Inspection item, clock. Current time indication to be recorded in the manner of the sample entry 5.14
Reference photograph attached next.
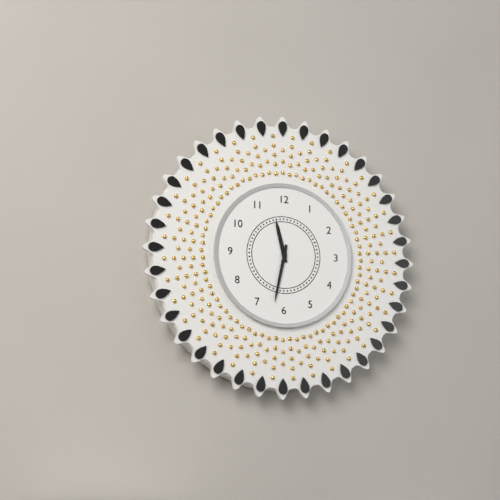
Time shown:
11.32
